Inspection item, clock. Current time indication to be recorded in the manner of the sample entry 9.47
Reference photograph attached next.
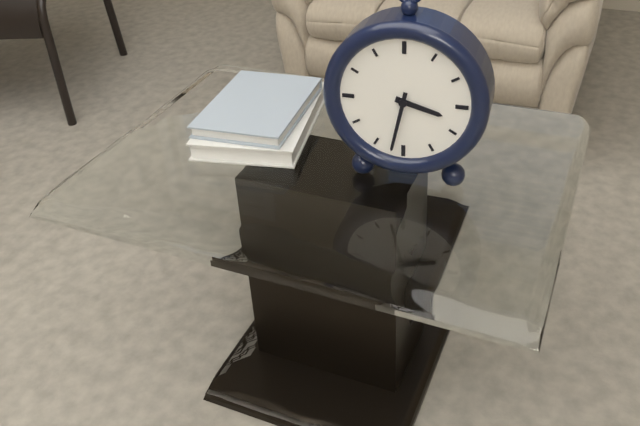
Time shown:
3.32
